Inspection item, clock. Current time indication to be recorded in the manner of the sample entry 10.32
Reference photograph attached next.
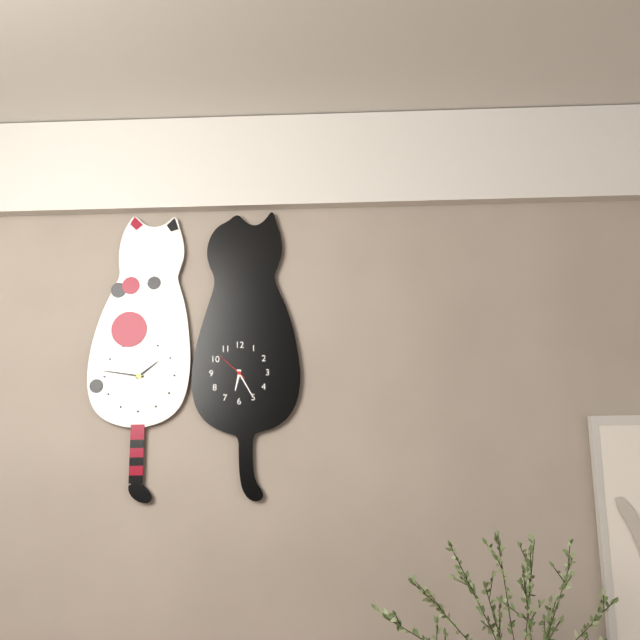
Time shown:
6.25
